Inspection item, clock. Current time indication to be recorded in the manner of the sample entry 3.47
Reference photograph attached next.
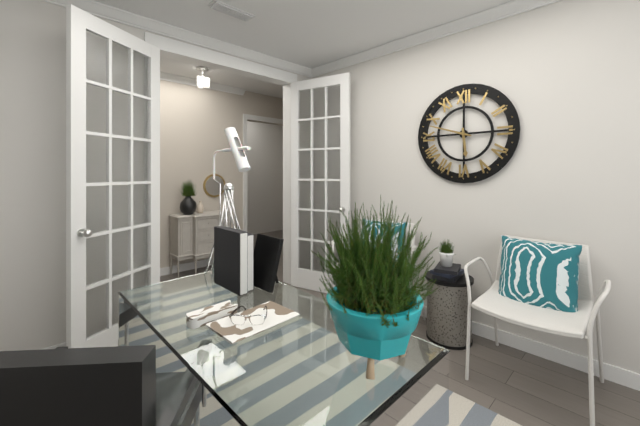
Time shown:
5.48
